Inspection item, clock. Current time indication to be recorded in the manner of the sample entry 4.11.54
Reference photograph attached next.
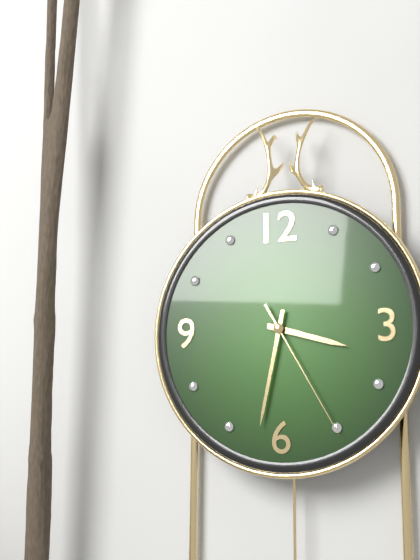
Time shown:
3.32.25
